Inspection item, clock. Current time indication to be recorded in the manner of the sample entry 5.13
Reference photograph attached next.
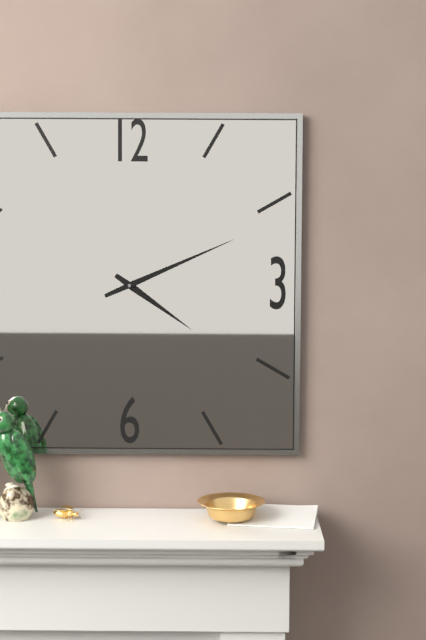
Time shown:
4.11
